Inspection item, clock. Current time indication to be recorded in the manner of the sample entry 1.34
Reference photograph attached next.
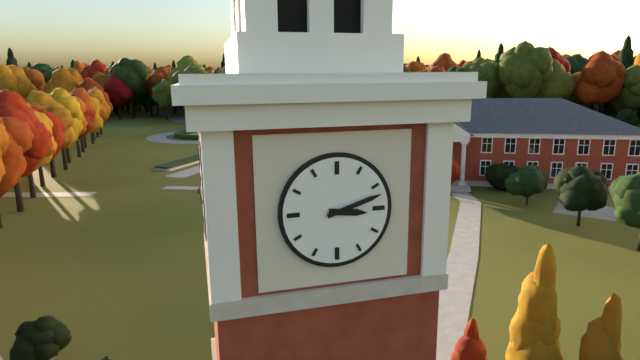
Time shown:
3.12
